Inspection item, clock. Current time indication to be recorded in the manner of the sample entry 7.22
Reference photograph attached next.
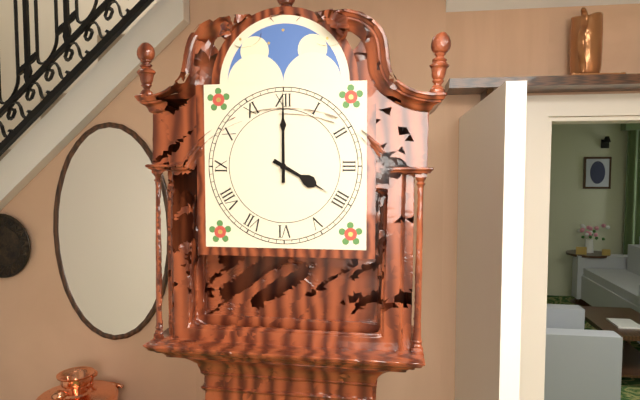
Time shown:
4.00
